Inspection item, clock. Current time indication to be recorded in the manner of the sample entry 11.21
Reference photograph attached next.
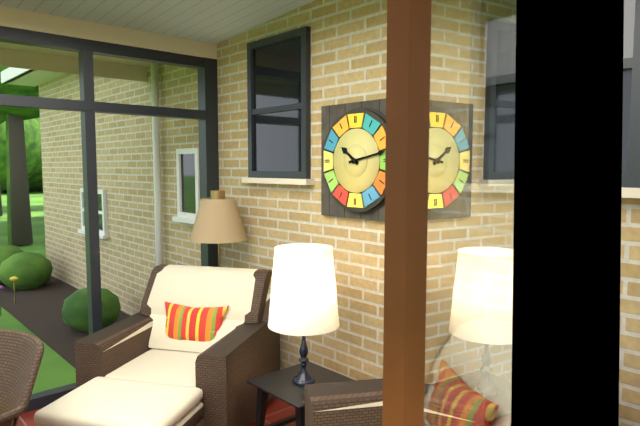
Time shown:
10.13
